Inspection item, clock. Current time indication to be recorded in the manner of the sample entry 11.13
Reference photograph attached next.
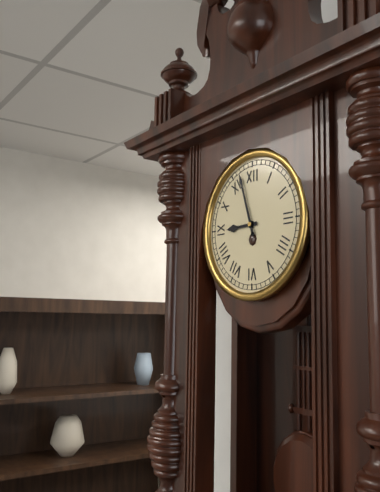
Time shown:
8.57
